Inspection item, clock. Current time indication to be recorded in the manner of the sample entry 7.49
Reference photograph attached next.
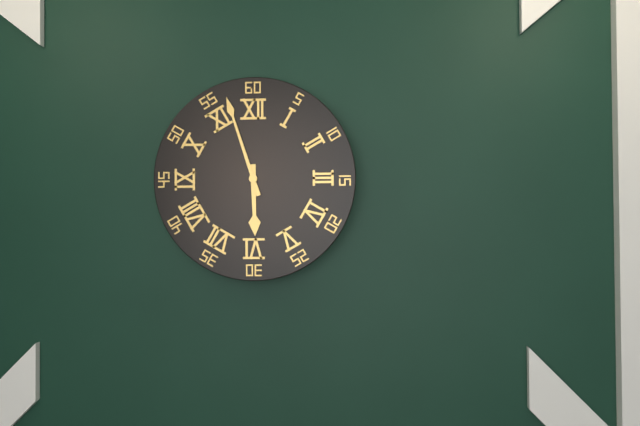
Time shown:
5.57
